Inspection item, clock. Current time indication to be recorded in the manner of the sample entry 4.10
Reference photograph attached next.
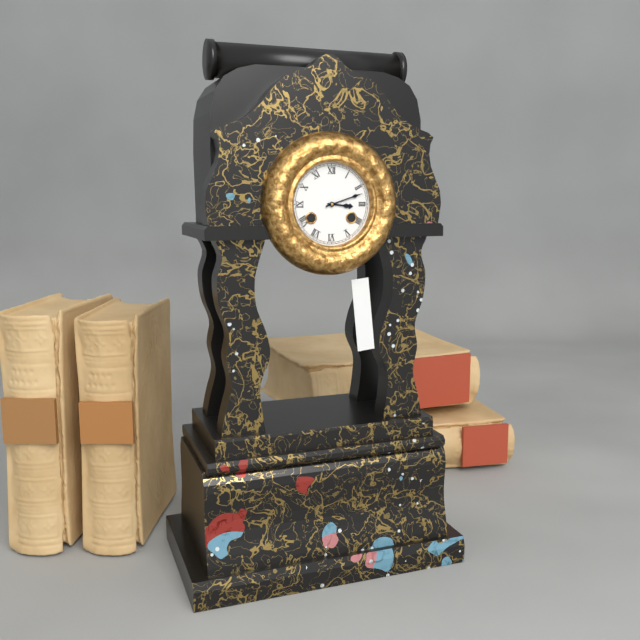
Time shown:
3.12
